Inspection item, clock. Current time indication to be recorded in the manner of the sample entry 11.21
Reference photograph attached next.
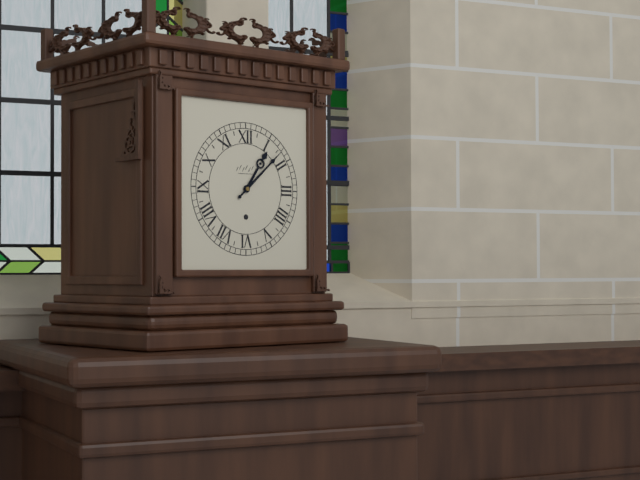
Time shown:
1.08
